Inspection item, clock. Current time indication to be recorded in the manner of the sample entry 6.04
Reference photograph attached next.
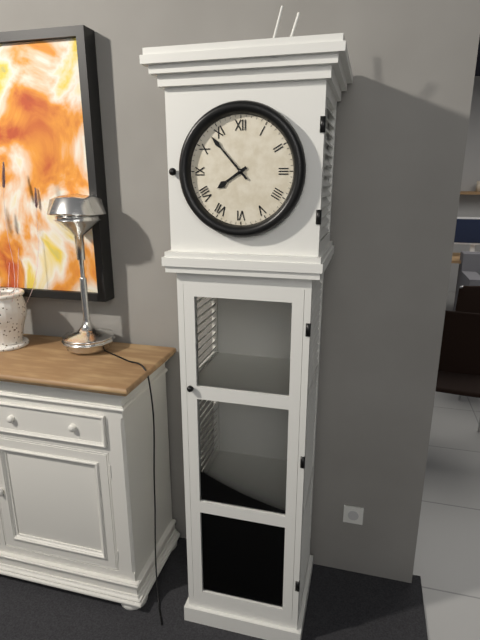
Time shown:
7.53
